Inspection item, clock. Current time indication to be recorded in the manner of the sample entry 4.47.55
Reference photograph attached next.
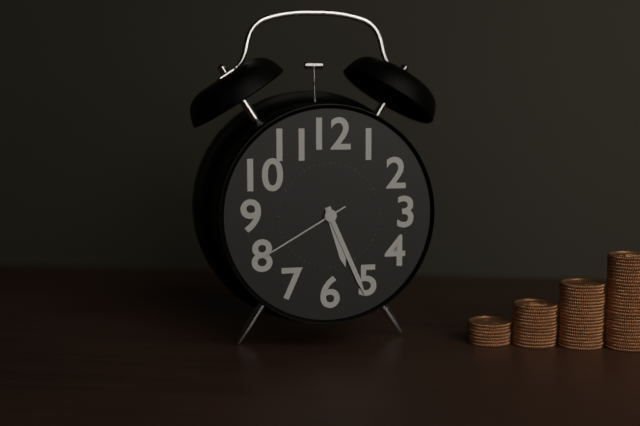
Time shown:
5.26.40
